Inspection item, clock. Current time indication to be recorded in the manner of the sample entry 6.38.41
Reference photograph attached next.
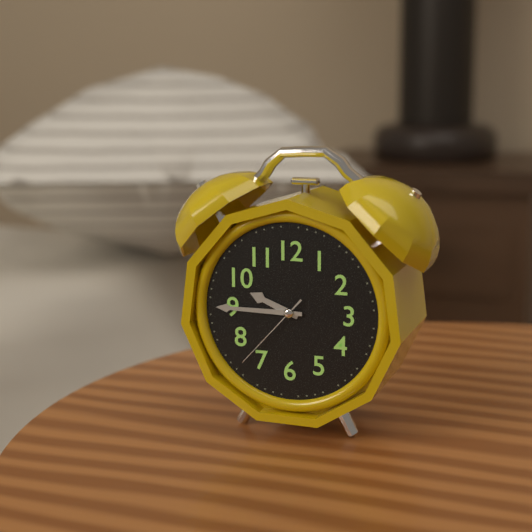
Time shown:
9.45.37
